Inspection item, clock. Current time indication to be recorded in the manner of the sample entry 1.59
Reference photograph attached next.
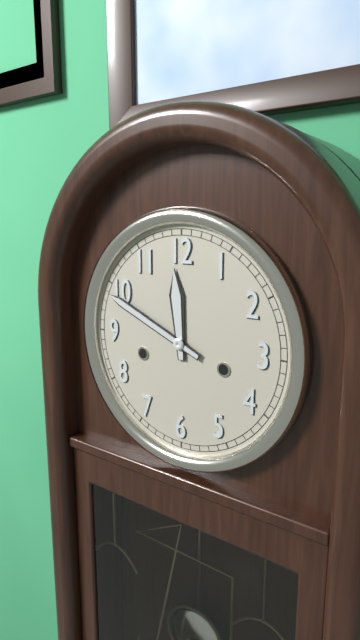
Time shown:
11.49
